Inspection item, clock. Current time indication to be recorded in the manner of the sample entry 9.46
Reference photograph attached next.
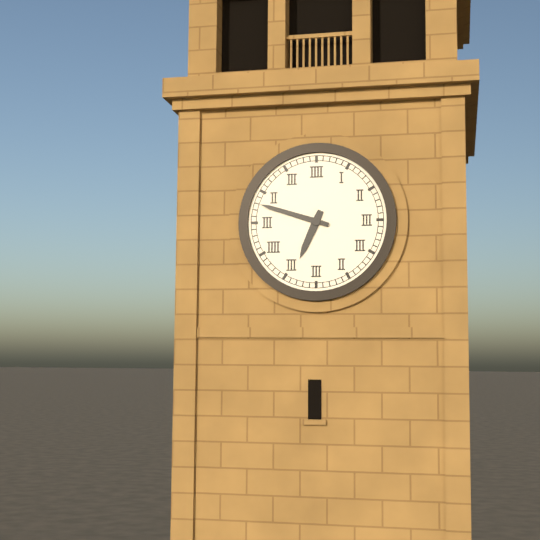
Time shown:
6.48
